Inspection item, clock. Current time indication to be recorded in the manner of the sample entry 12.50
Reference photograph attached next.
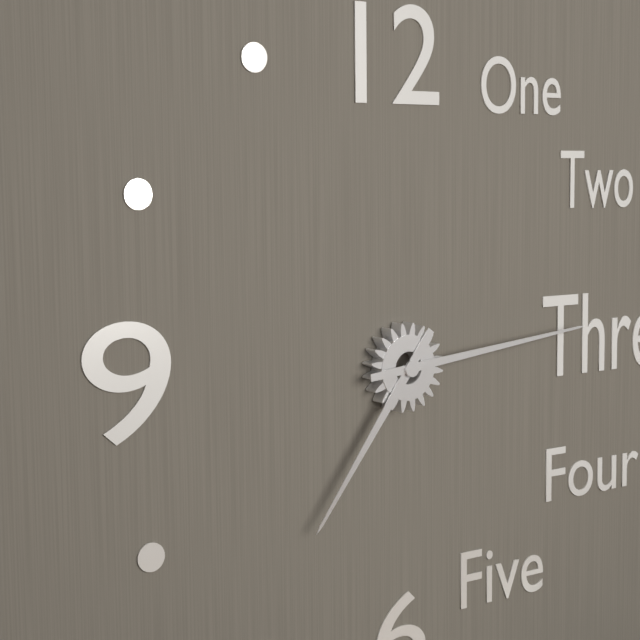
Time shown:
7.14
